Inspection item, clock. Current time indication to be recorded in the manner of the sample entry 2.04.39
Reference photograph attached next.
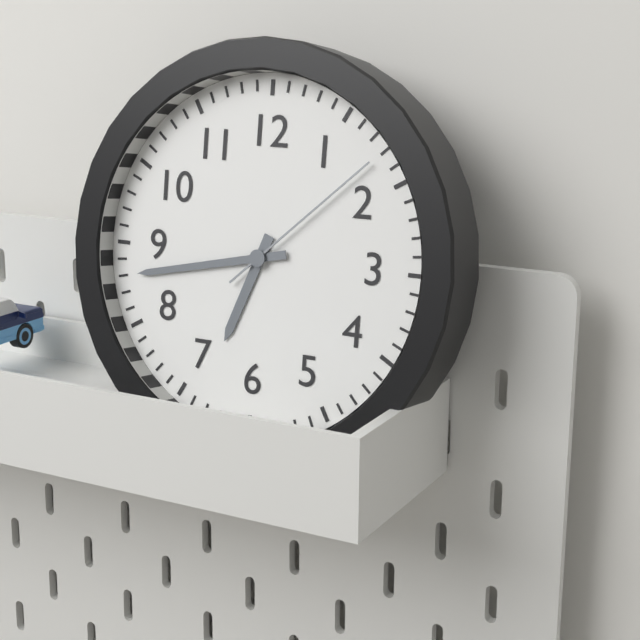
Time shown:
6.43.08
